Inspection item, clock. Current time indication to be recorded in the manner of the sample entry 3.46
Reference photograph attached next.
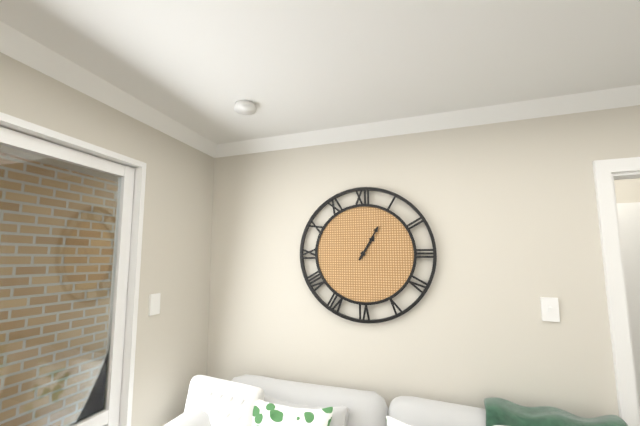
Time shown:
1.05
